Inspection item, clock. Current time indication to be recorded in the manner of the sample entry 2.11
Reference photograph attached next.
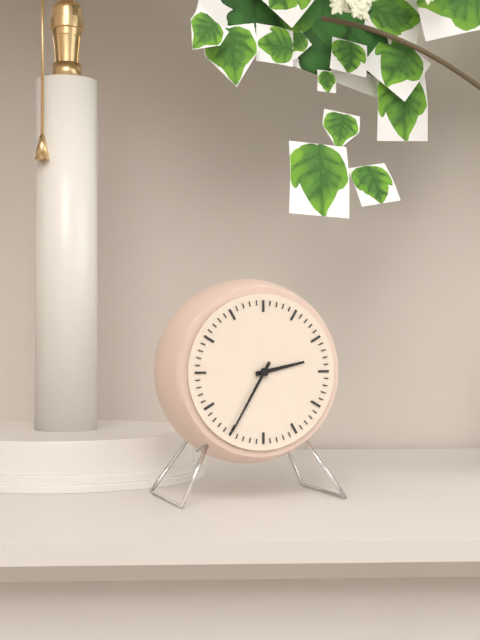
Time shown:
2.35
